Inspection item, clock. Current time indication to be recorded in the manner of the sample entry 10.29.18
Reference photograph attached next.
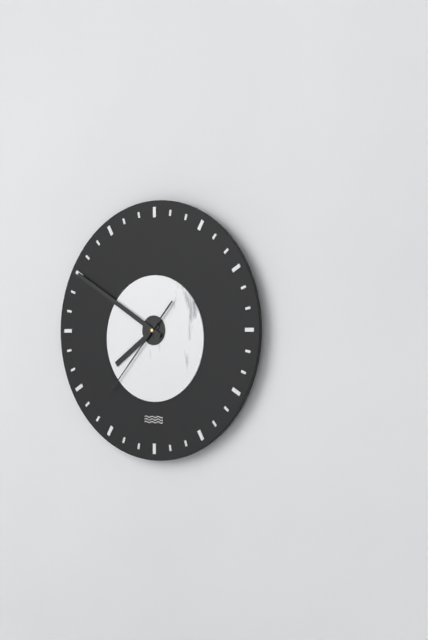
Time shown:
7.50.37
